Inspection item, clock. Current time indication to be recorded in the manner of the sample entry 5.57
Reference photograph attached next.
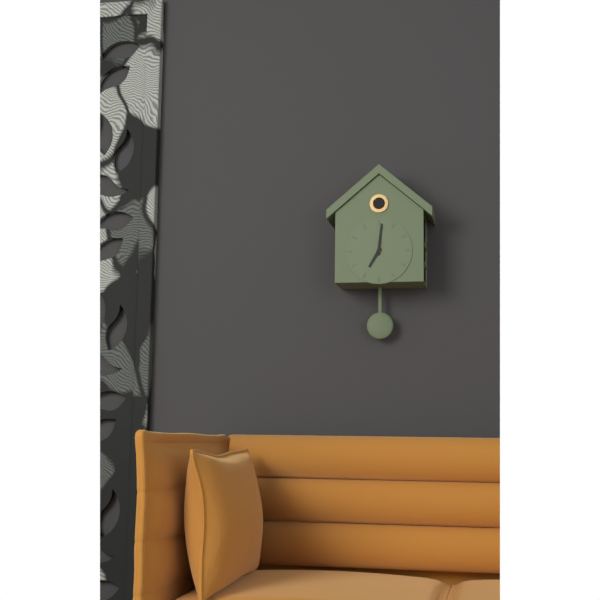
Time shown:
7.01
